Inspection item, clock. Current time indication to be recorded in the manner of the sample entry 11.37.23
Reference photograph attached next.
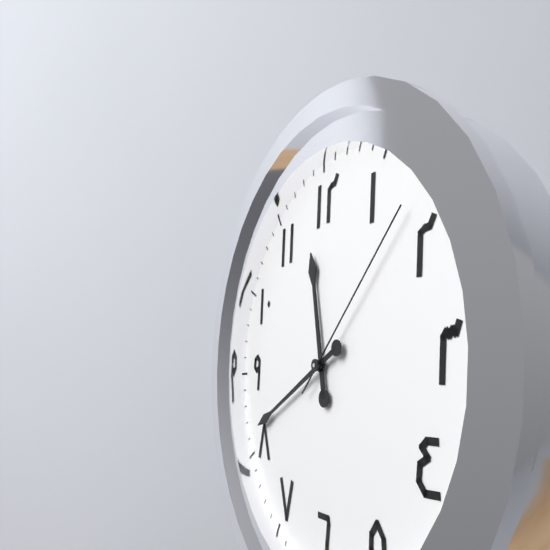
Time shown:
11.41.08
